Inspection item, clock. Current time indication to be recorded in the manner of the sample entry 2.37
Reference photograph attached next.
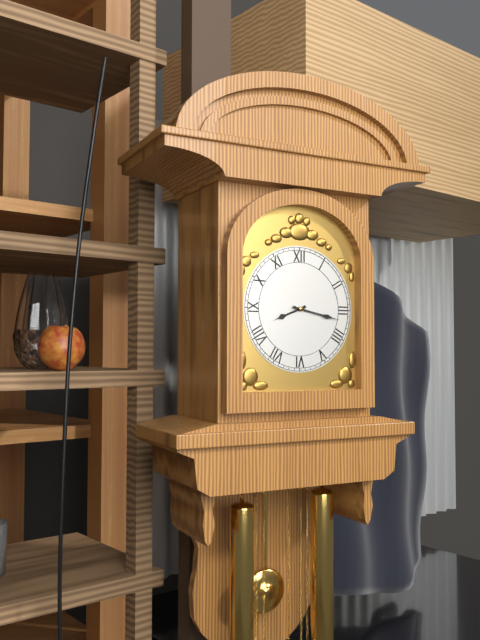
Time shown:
8.17
